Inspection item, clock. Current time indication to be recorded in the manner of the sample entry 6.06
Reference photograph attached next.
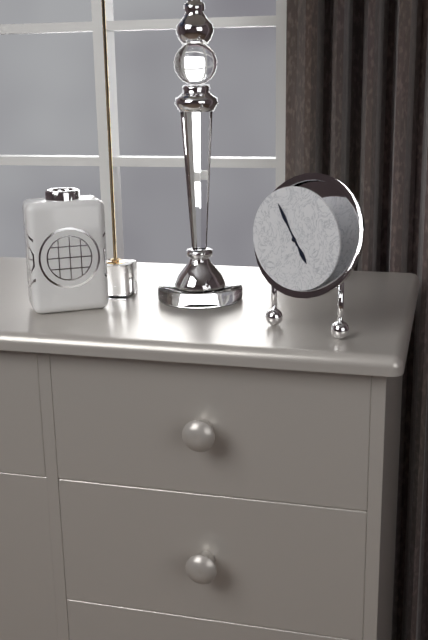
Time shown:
4.55
